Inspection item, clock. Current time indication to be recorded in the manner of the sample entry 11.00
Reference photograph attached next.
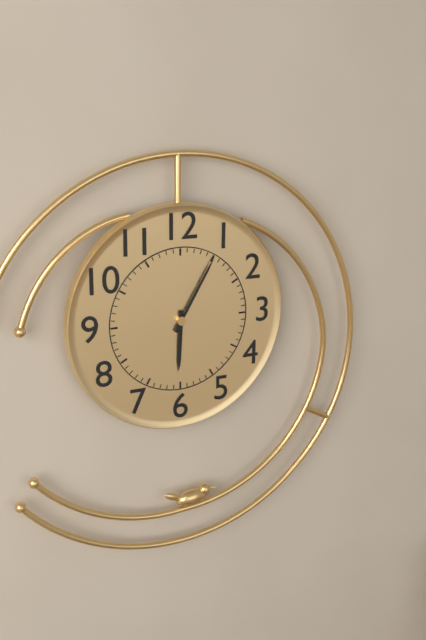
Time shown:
6.05
